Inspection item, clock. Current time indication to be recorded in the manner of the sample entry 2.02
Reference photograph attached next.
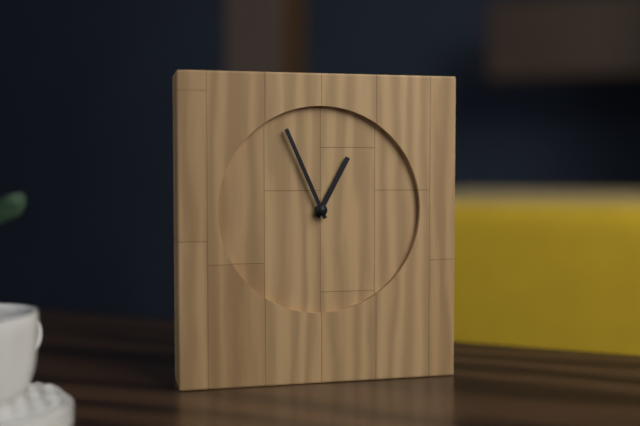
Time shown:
12.56
